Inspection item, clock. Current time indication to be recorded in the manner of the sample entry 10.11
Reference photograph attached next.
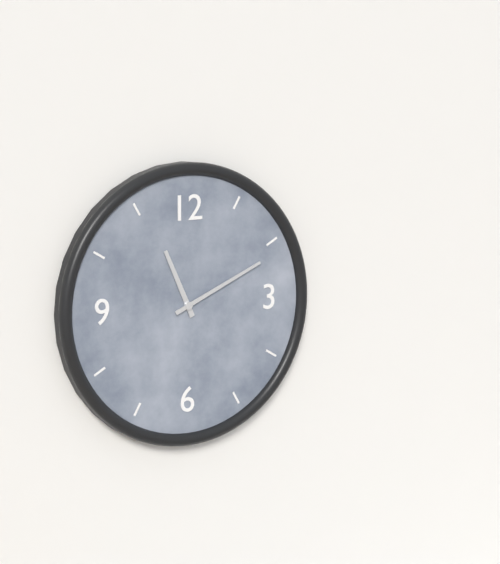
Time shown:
11.11
